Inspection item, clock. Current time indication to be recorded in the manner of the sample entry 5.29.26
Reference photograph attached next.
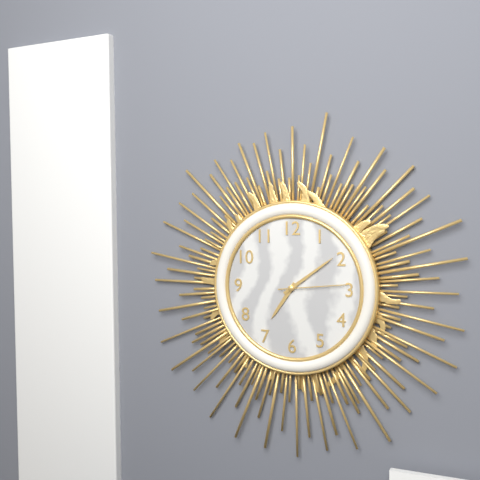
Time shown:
7.09.14
